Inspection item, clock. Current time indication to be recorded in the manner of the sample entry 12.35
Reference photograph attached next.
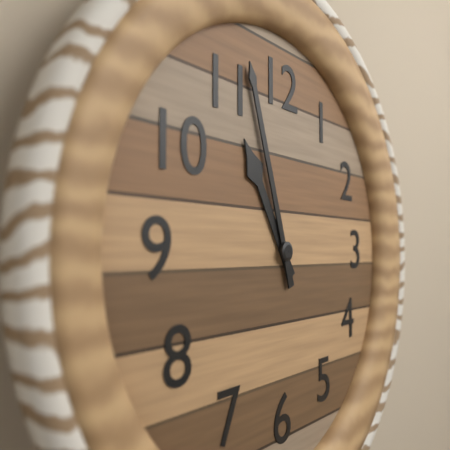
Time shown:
10.57
